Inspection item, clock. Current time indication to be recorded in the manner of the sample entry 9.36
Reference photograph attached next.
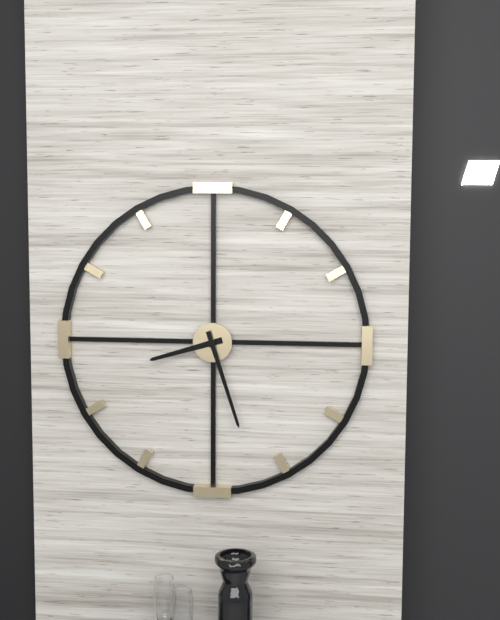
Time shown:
8.27
